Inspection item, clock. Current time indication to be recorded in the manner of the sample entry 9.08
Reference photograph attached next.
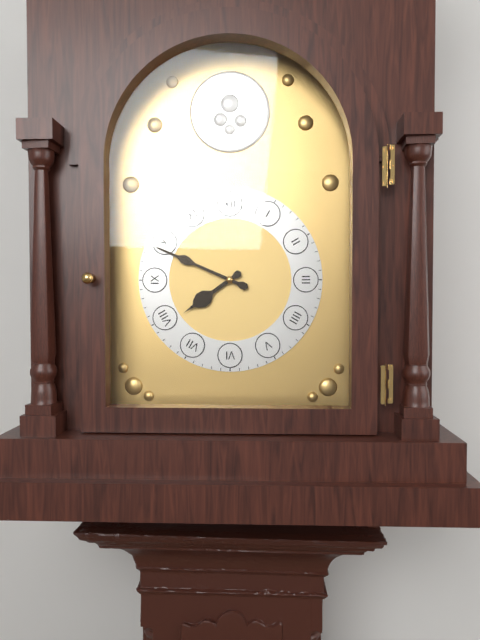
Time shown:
7.49
